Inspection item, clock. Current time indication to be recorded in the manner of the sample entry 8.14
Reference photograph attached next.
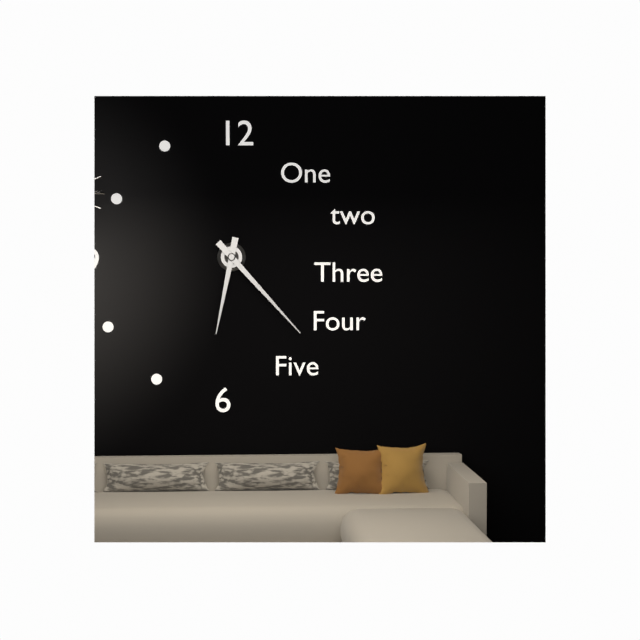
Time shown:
6.23
